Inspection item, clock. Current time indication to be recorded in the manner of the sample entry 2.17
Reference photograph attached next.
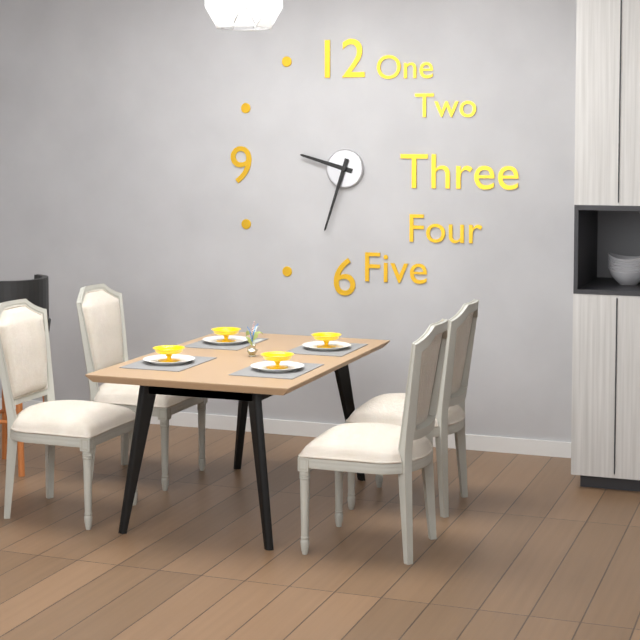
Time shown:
9.33
